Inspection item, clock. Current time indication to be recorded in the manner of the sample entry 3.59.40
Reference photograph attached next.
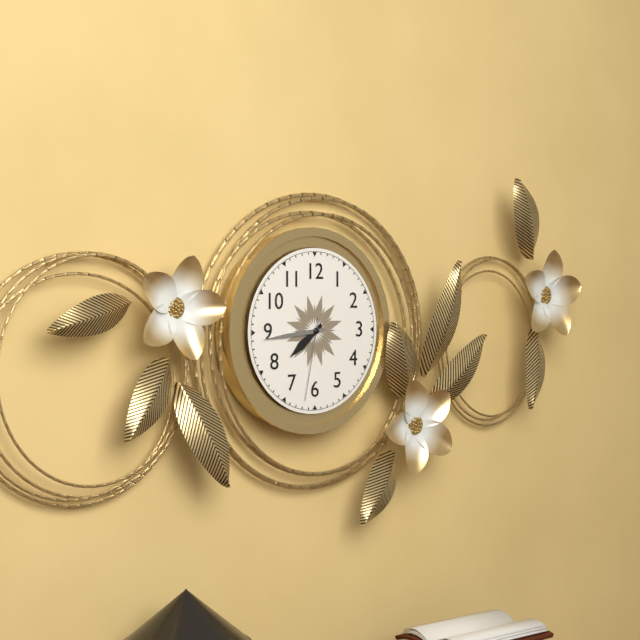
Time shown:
7.44.32
